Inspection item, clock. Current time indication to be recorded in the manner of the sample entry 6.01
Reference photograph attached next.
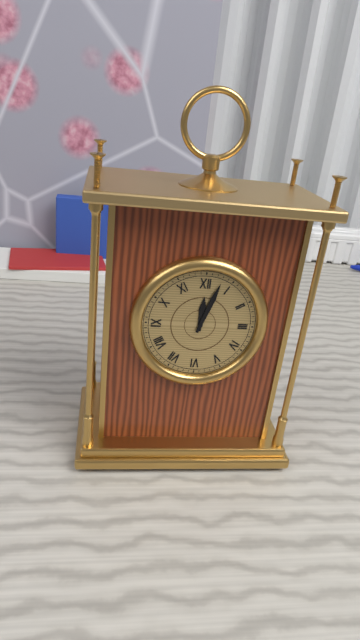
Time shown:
12.03
